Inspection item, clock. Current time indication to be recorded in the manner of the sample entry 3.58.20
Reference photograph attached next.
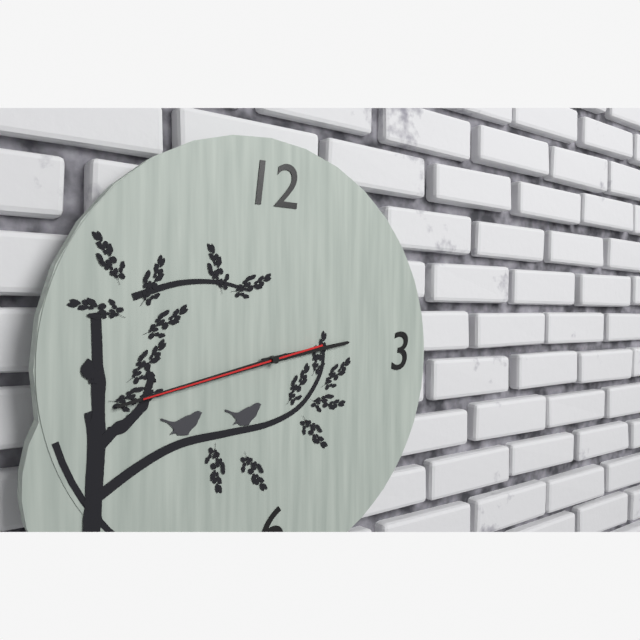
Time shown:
2.43.43
